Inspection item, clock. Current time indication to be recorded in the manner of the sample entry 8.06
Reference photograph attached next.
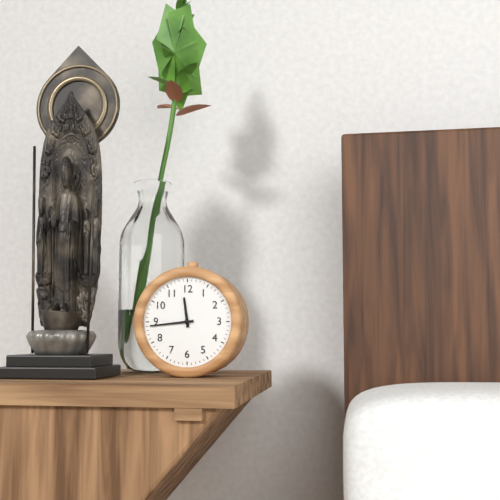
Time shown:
11.44
